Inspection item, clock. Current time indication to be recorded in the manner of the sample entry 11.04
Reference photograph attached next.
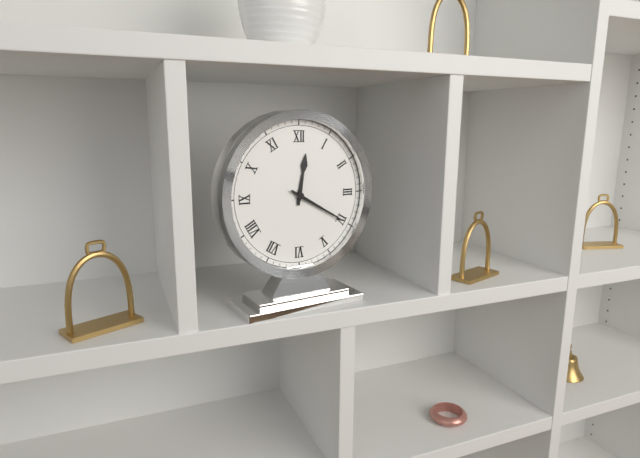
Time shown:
12.20
